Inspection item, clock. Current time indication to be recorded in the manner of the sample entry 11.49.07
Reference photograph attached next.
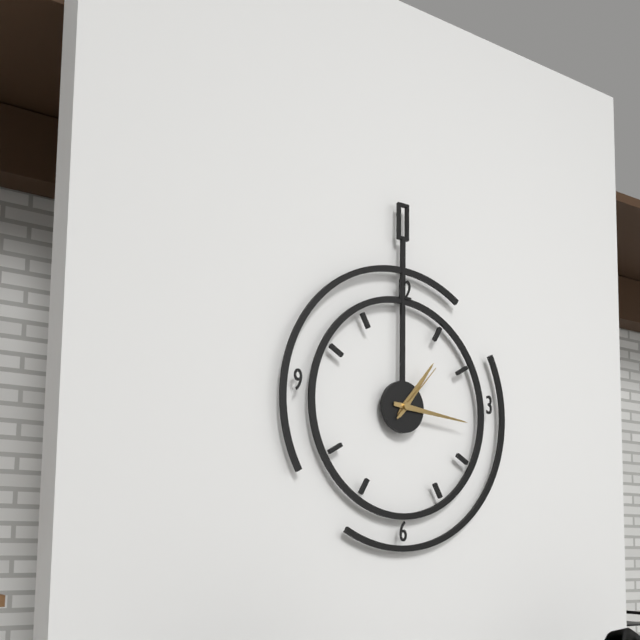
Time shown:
1.16.07
